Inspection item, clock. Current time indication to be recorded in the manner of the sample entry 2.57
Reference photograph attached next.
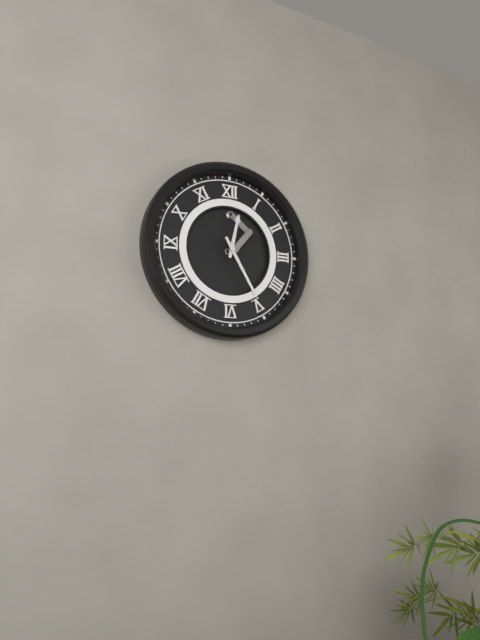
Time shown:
12.25
